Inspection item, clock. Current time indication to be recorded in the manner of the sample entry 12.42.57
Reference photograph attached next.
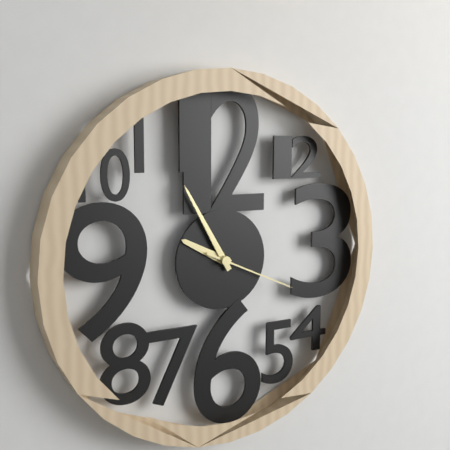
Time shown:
9.55.19
